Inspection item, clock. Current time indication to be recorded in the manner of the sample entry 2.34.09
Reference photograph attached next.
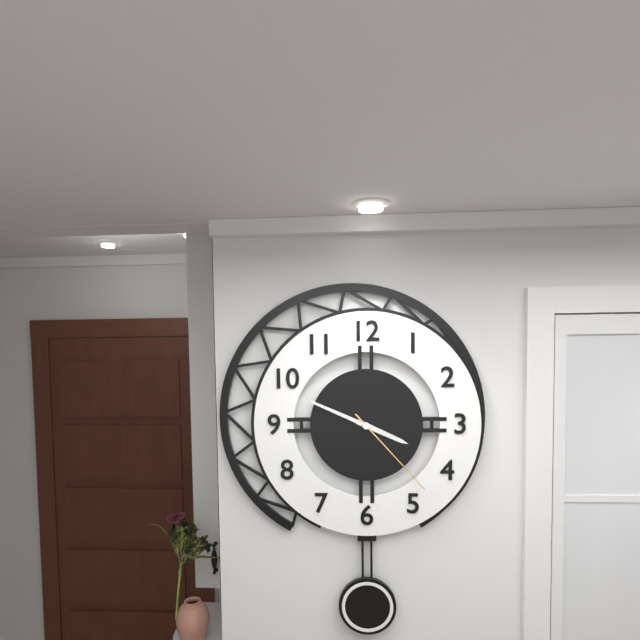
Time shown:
3.49.23
